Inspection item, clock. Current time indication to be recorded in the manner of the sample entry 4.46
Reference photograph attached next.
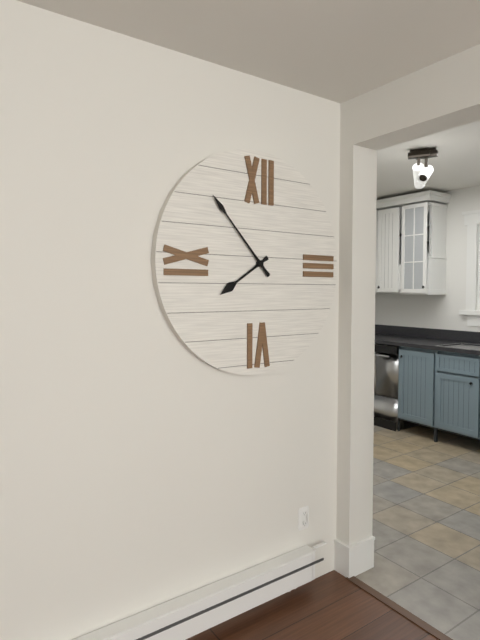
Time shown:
7.53
